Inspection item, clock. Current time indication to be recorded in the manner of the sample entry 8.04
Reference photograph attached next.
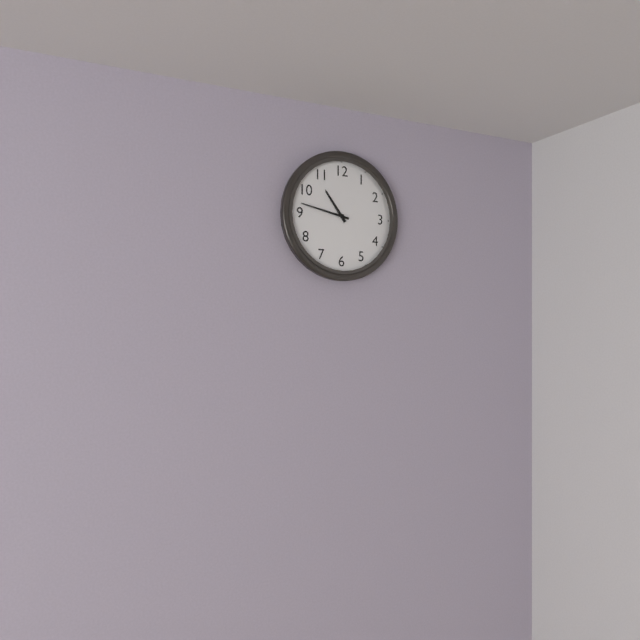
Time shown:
10.47
